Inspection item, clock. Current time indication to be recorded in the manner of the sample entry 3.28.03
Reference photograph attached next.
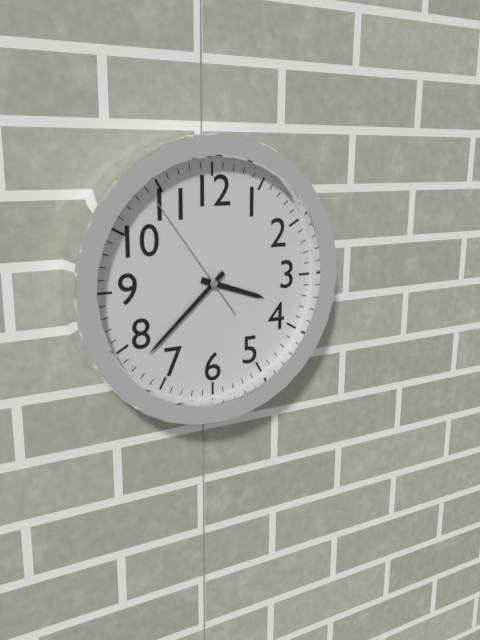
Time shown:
3.38.54
